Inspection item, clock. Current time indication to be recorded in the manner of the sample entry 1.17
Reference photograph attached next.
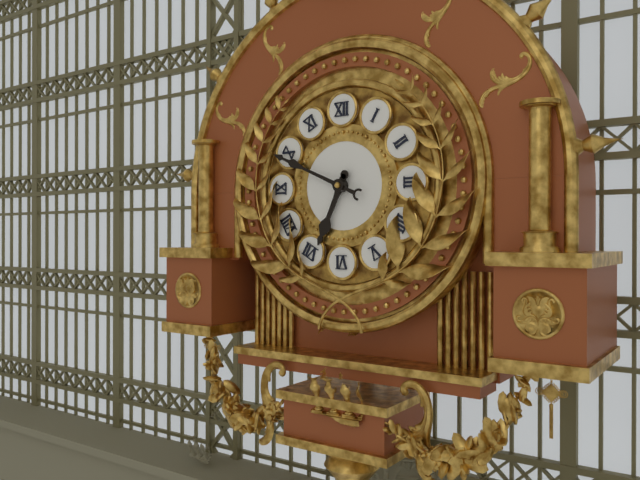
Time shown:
6.49
